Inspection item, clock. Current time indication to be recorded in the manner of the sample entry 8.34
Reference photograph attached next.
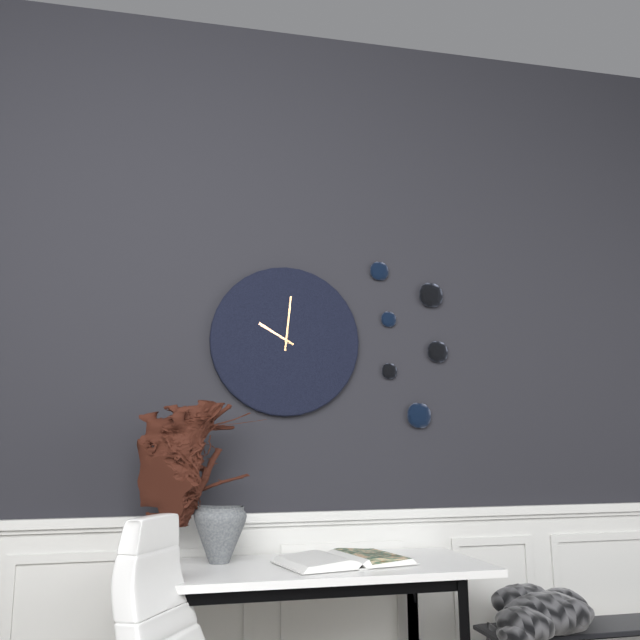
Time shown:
10.01
